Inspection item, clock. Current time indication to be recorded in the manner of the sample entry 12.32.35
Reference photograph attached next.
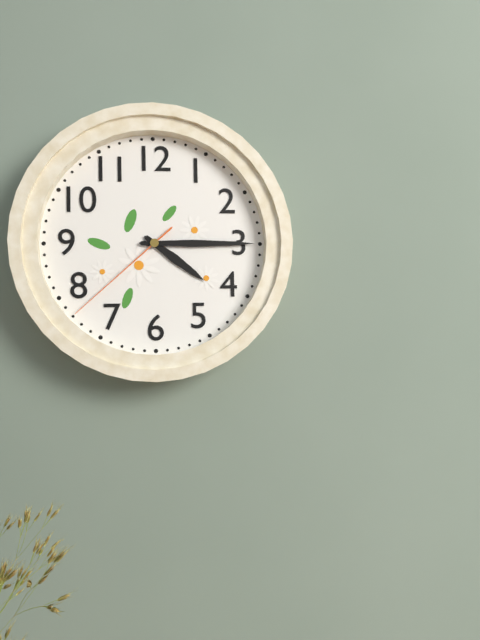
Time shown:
4.15.38
